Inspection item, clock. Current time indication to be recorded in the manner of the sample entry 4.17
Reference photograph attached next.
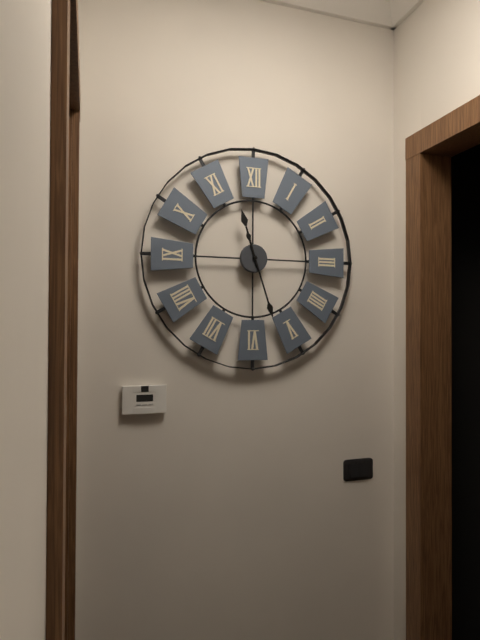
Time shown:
11.27
